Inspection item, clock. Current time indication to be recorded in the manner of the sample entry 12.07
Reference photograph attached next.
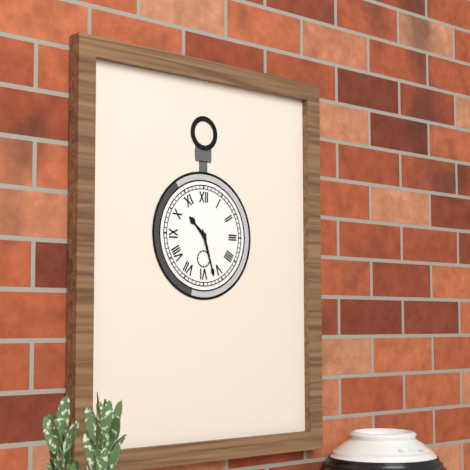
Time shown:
10.27
